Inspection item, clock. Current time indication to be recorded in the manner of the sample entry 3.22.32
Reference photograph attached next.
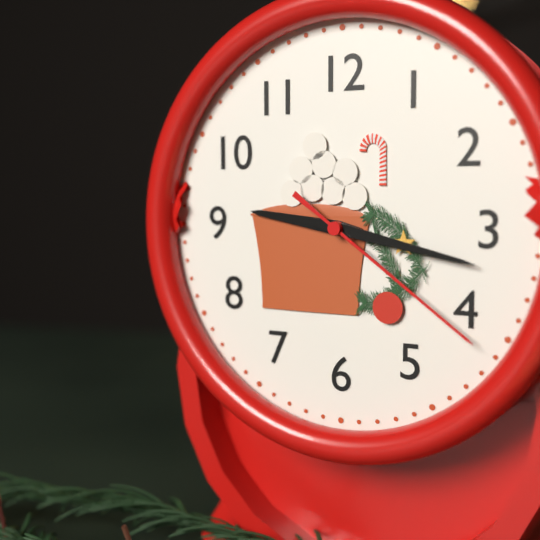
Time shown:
9.17.21
